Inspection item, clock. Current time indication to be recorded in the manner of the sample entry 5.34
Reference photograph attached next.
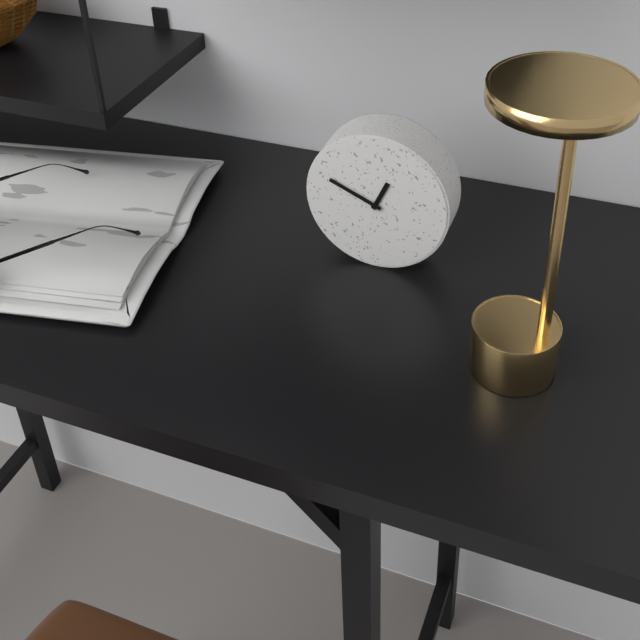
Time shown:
12.49
